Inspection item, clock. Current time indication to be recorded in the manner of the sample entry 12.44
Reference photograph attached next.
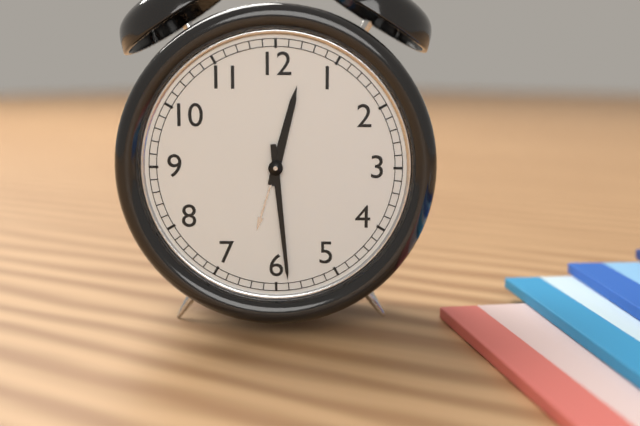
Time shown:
12.29
